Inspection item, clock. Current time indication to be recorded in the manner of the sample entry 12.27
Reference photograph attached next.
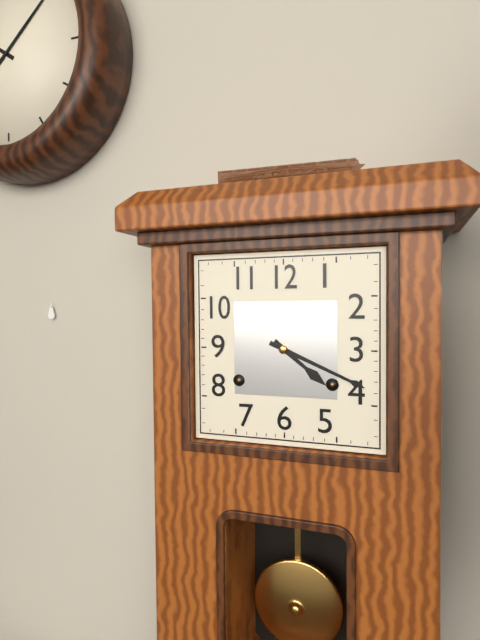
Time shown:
4.19
